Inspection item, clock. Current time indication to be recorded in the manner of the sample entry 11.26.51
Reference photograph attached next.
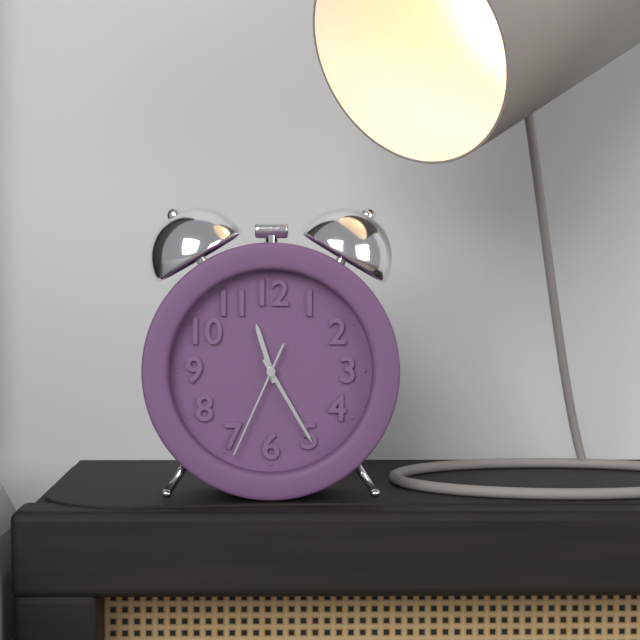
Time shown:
11.25.34
